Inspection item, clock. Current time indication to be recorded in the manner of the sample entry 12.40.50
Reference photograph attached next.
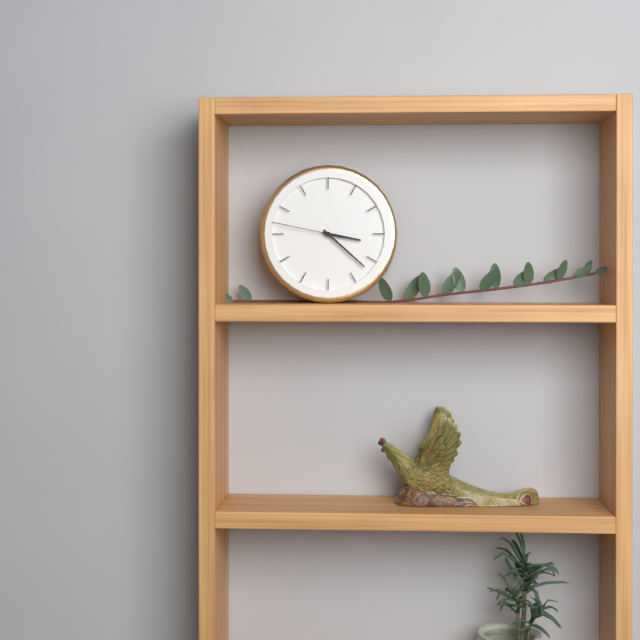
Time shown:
3.22.47
